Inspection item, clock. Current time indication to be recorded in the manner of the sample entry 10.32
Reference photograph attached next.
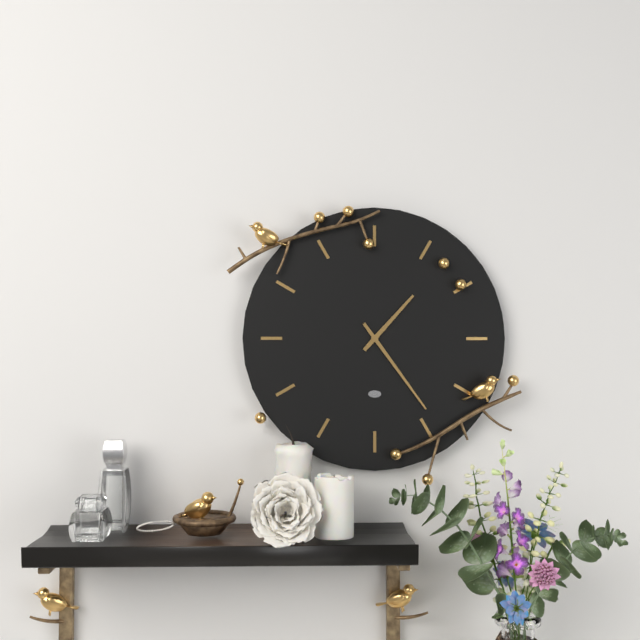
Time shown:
1.24
